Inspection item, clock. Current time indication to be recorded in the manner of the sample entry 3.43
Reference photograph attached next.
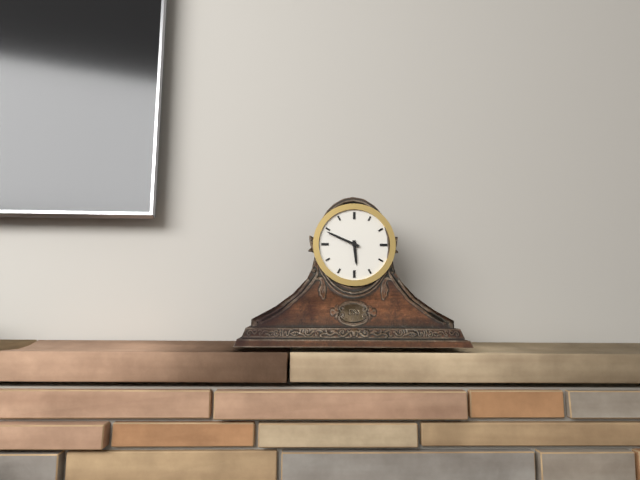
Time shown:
5.49
